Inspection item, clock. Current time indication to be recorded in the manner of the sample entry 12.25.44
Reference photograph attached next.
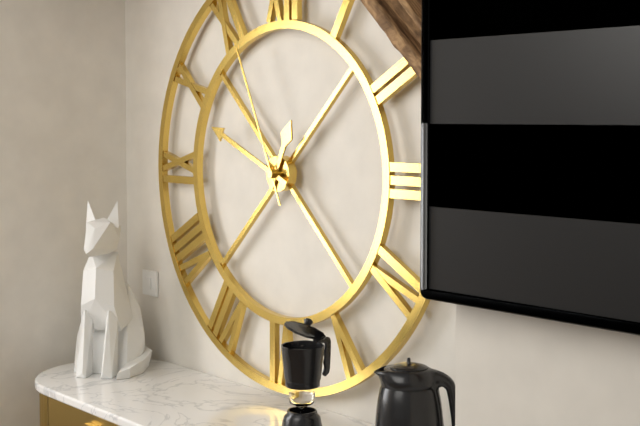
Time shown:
12.49.56
